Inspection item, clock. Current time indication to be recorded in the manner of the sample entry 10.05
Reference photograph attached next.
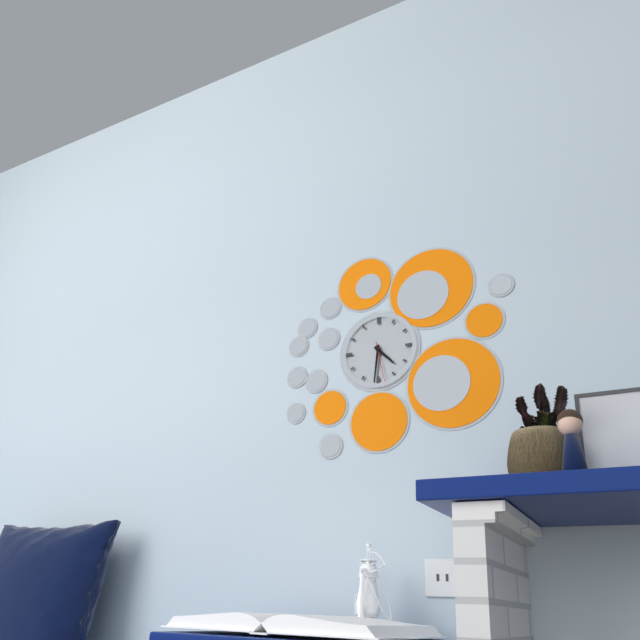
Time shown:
4.31
